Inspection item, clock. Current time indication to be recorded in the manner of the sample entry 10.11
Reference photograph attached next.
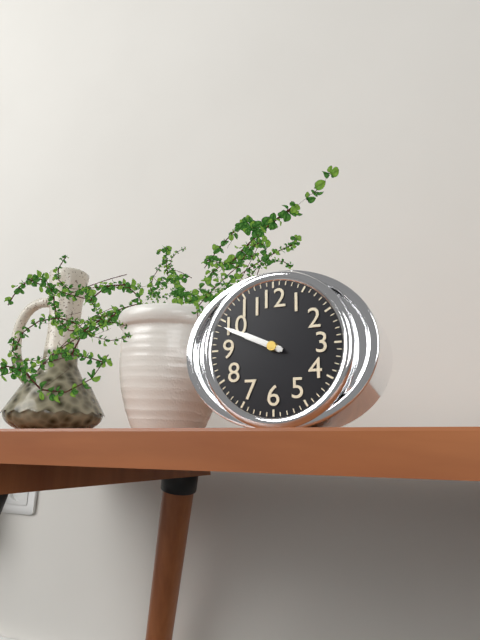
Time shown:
9.49
